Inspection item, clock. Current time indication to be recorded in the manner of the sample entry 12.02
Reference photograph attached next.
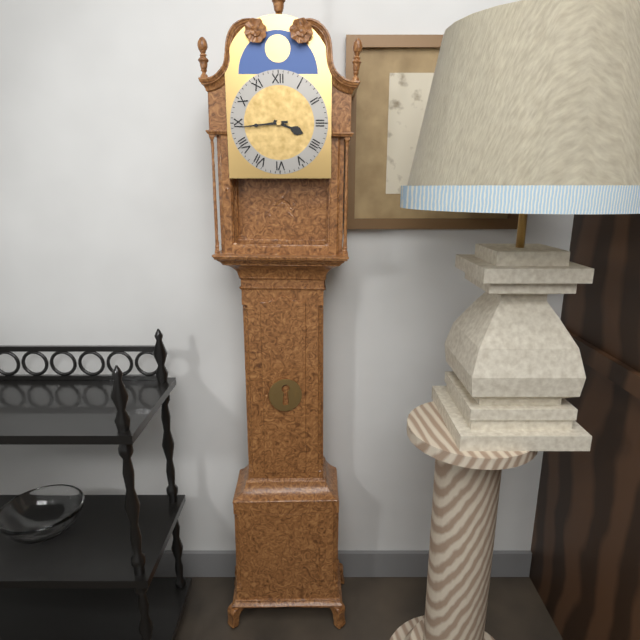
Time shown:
3.44
